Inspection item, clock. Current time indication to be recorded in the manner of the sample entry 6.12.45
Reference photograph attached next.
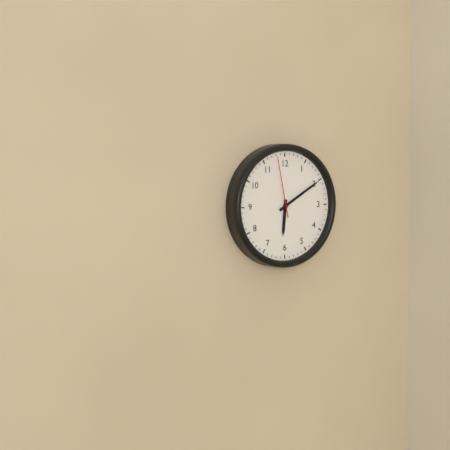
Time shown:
6.10.58
